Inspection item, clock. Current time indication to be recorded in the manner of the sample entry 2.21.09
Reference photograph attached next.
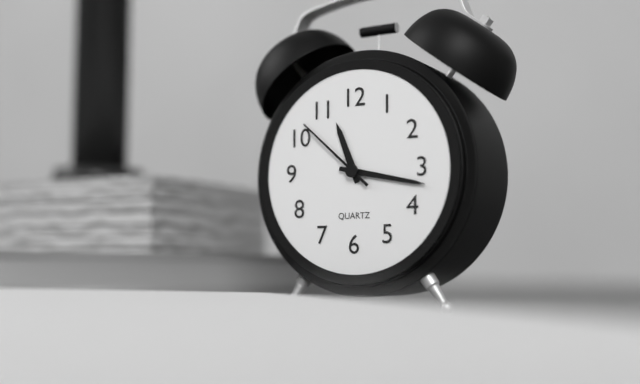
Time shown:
11.17.52
